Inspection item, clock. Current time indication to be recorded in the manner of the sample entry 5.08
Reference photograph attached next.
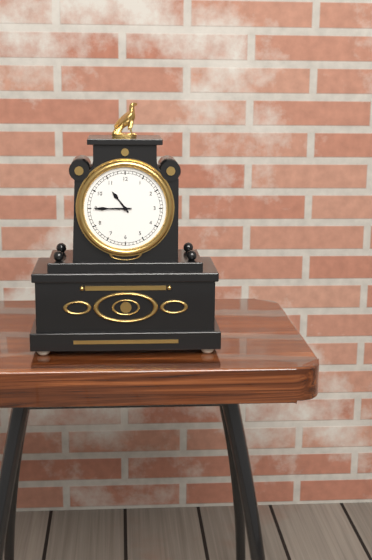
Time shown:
10.45
